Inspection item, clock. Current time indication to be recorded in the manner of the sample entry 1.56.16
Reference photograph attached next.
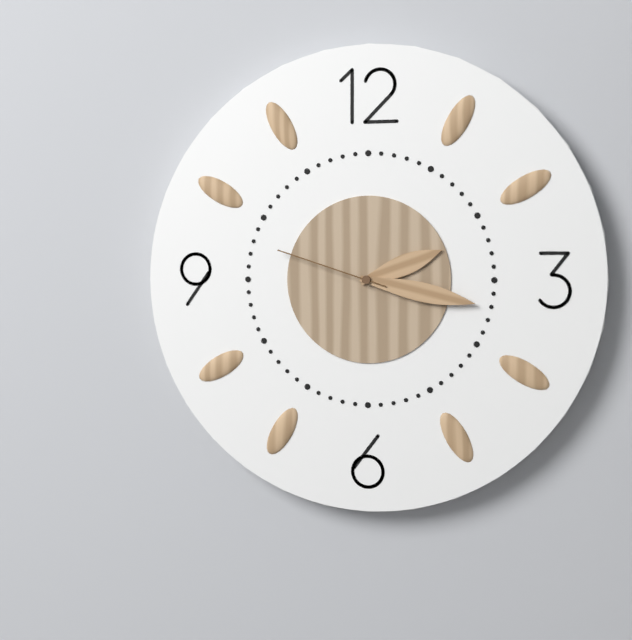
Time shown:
2.17.48
